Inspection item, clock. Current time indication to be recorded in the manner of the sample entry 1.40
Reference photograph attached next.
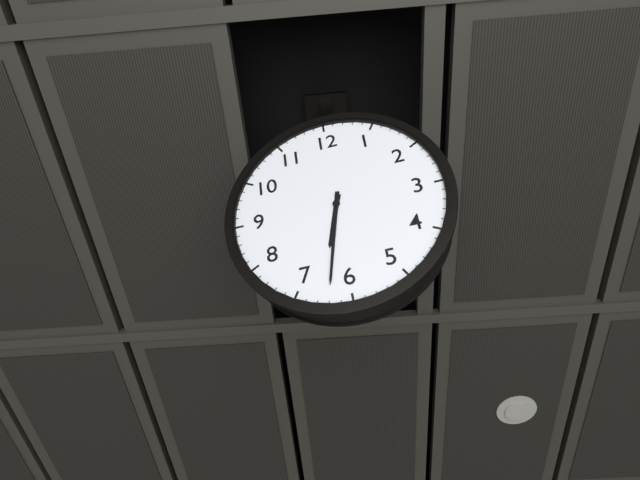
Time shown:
6.32
